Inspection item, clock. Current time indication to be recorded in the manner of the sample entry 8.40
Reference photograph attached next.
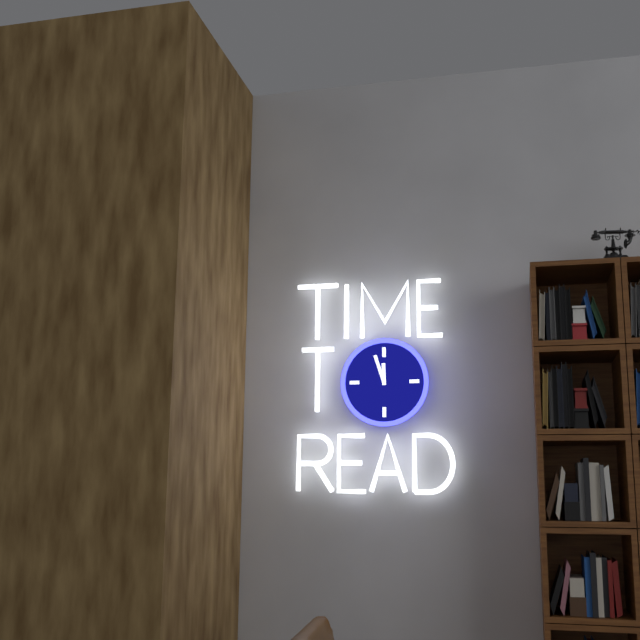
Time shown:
11.57
